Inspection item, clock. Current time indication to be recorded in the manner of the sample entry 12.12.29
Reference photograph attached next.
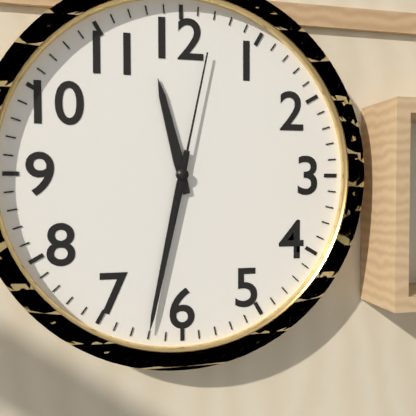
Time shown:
11.32.02
